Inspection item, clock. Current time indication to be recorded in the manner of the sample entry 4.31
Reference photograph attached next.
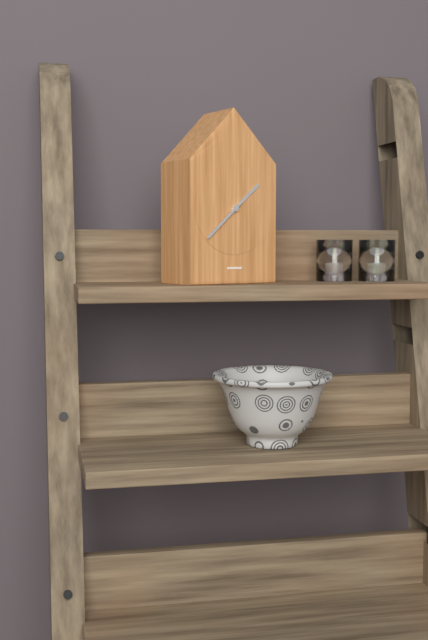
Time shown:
1.38
